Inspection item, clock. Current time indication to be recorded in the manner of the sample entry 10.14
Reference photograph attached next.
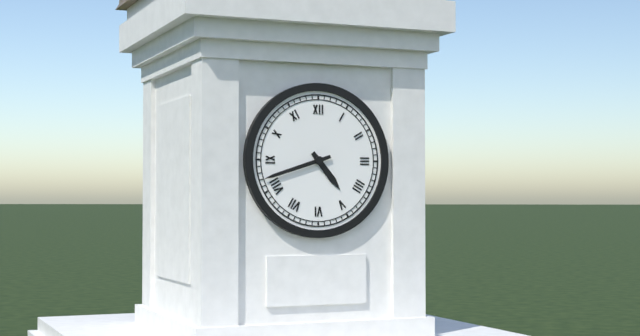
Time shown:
4.42
